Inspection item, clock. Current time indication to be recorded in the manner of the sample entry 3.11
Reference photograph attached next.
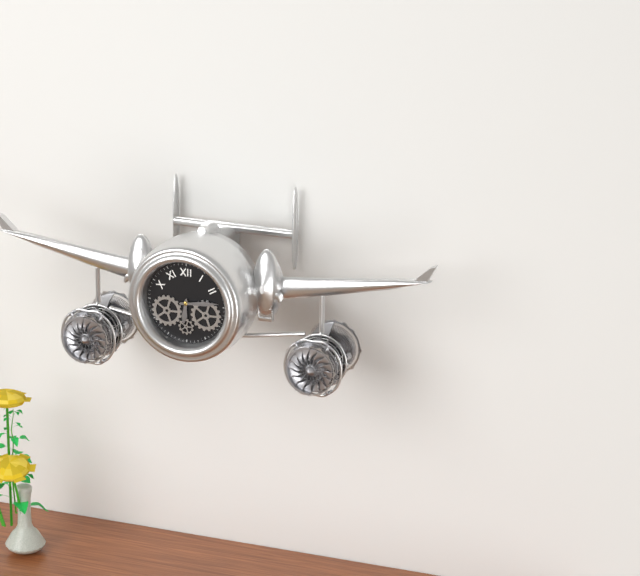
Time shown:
6.14
